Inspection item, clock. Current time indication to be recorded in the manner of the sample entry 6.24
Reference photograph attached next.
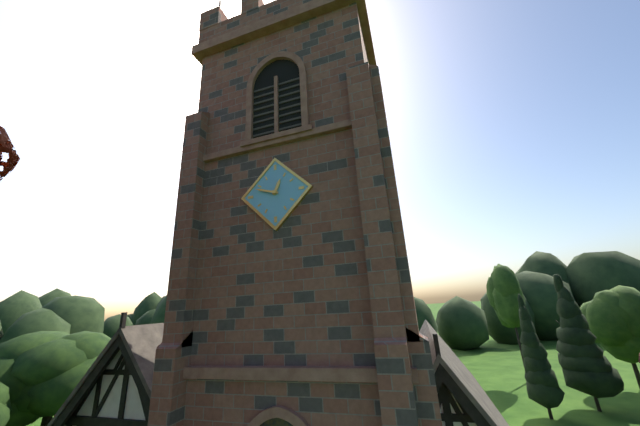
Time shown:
12.48
